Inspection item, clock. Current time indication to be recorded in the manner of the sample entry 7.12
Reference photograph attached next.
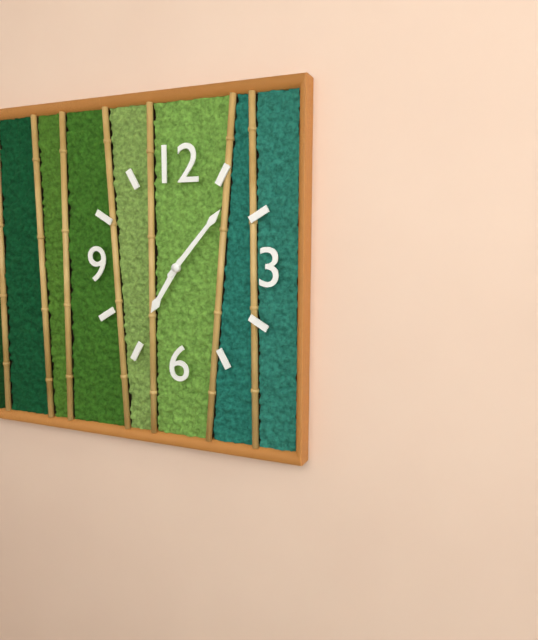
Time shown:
7.07
